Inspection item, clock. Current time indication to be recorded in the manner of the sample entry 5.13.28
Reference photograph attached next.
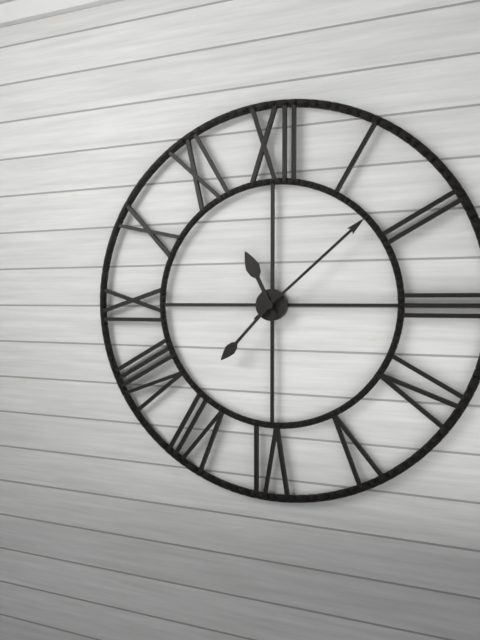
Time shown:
11.08.37
